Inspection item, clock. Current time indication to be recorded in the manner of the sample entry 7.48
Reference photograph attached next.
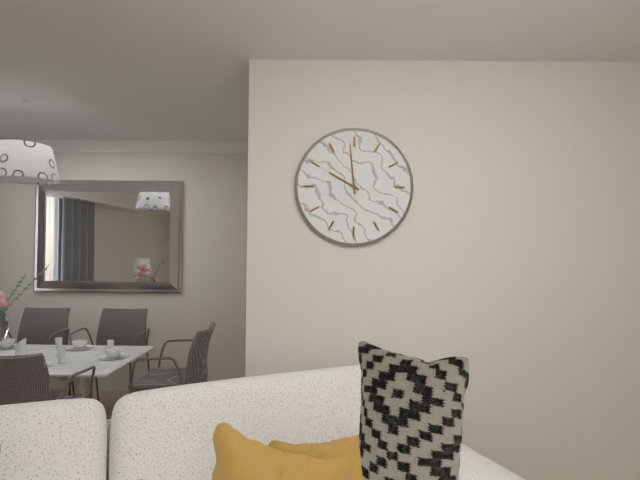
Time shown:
9.59
